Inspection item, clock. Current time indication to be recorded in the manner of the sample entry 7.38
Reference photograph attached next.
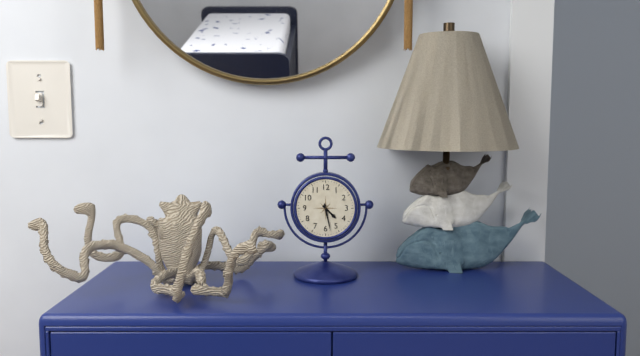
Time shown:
4.28
